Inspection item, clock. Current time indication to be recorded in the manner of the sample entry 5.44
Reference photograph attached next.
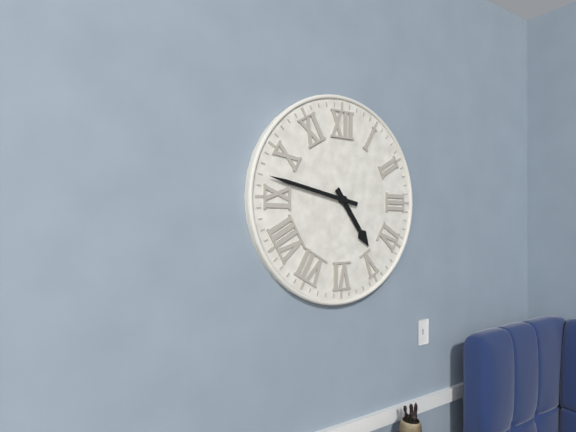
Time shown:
4.47
